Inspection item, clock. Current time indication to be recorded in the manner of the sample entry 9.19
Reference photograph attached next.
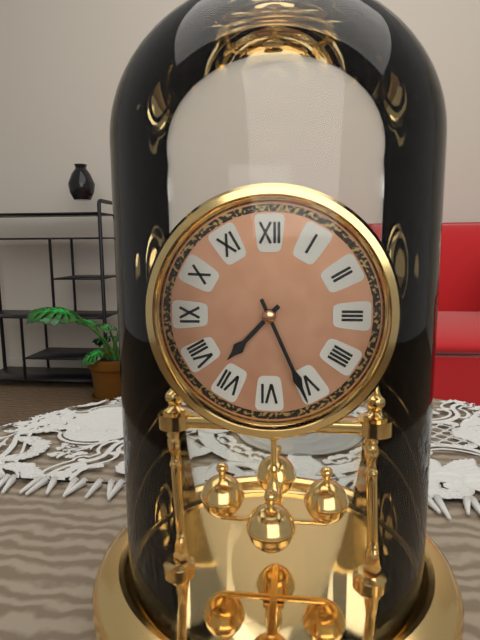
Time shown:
7.26
